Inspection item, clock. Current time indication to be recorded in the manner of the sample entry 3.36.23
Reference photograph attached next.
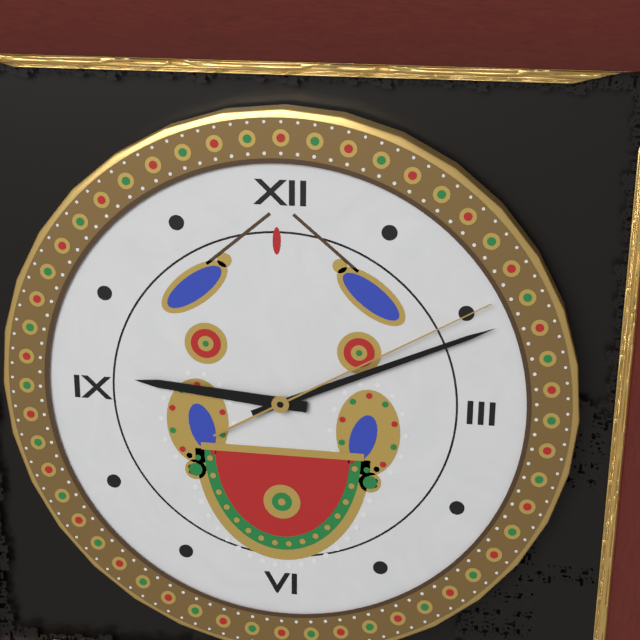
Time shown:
9.11.10
